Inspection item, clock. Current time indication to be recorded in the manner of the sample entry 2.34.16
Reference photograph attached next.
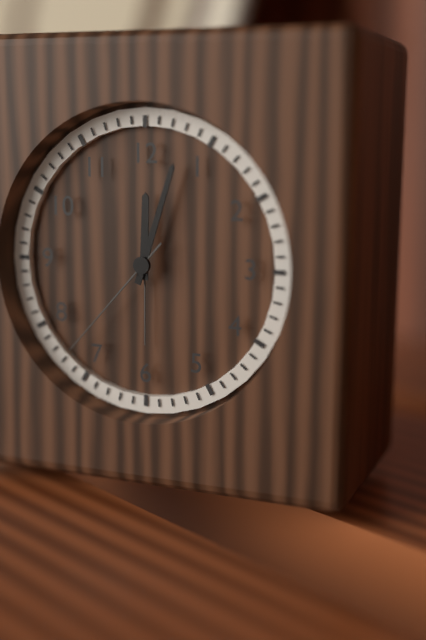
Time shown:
12.03.37
